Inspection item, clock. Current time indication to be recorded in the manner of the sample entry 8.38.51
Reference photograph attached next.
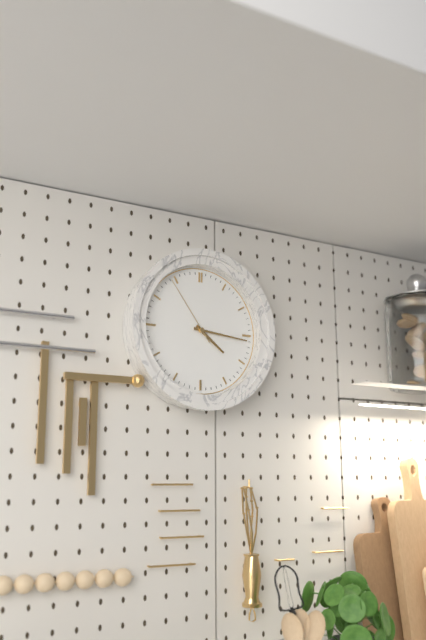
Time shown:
4.16.54
